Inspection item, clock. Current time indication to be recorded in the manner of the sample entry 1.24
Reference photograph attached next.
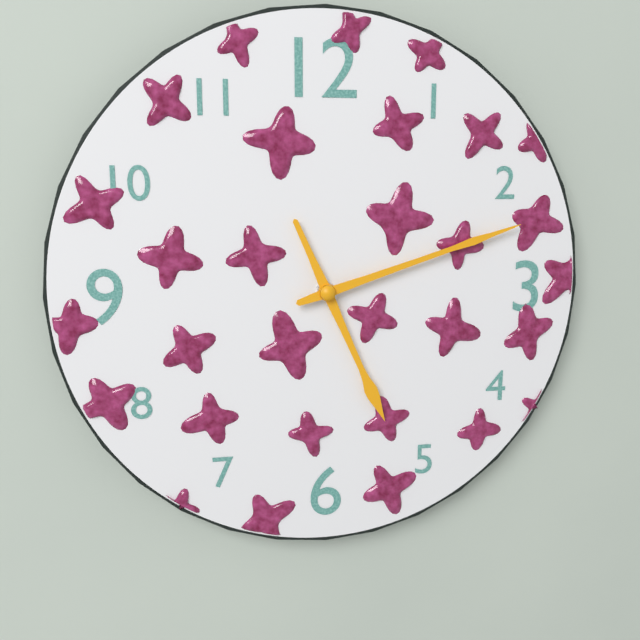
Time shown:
5.12
